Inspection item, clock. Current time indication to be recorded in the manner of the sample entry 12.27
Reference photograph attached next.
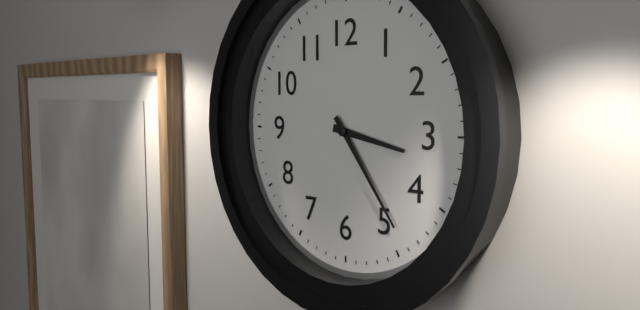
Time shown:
3.24
